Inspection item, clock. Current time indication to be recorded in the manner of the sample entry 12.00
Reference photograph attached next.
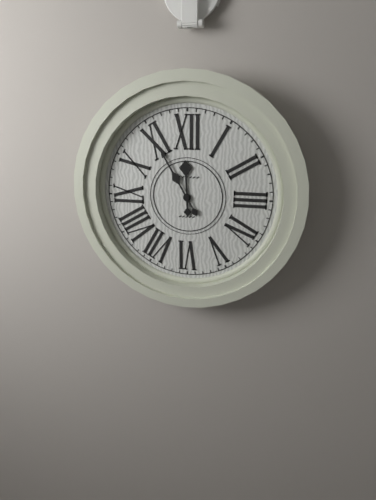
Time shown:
11.55
